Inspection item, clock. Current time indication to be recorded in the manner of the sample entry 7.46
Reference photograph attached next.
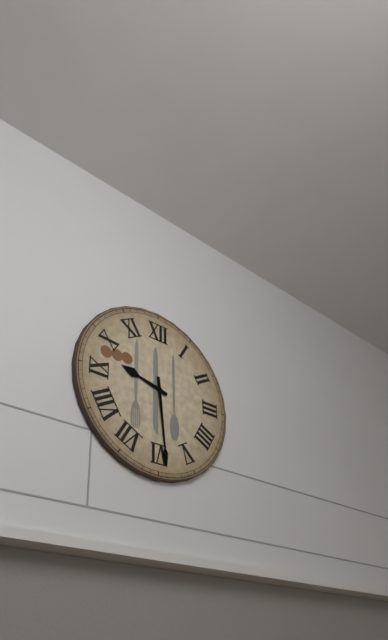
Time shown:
9.29
